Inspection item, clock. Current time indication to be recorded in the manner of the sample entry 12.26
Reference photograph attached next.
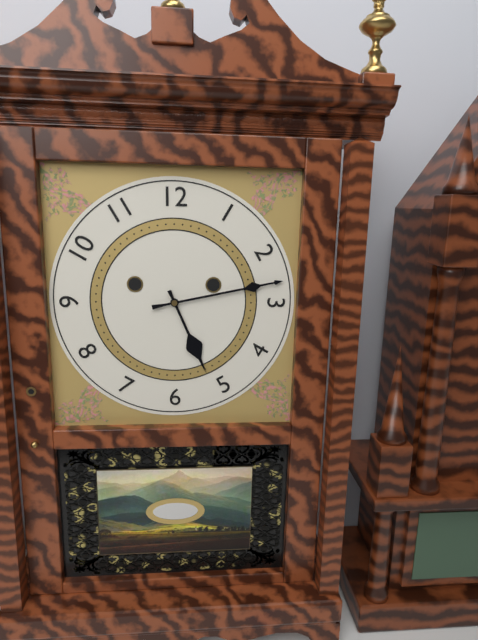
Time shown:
5.13
